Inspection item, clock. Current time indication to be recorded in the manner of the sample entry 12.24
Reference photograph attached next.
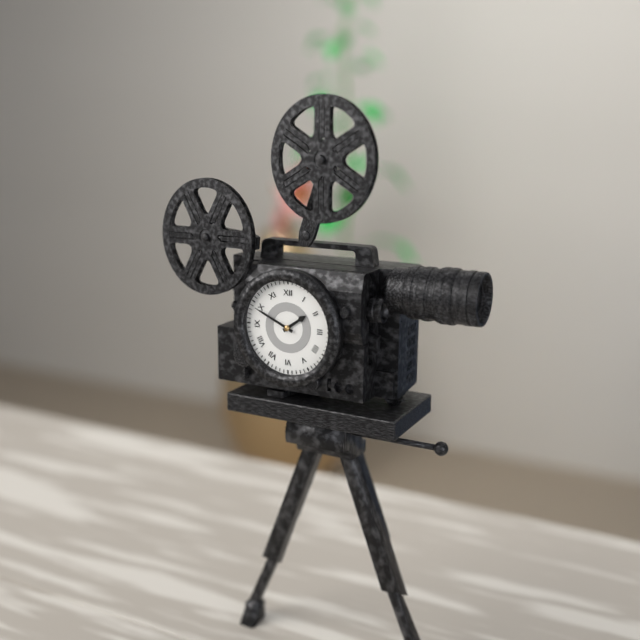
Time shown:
1.49
